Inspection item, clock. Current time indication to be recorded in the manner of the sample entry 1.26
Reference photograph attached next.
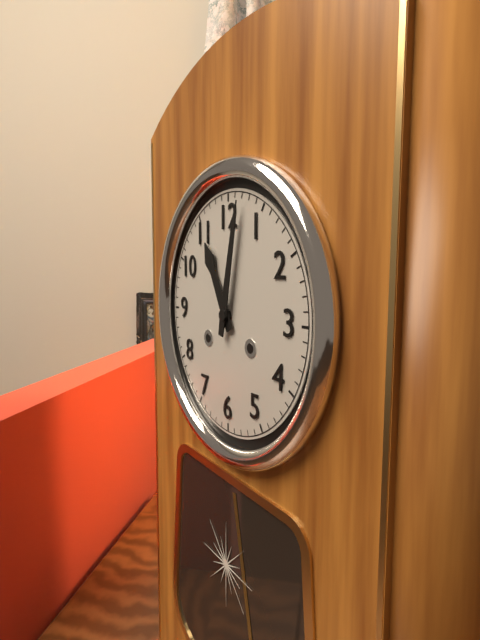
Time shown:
11.02
